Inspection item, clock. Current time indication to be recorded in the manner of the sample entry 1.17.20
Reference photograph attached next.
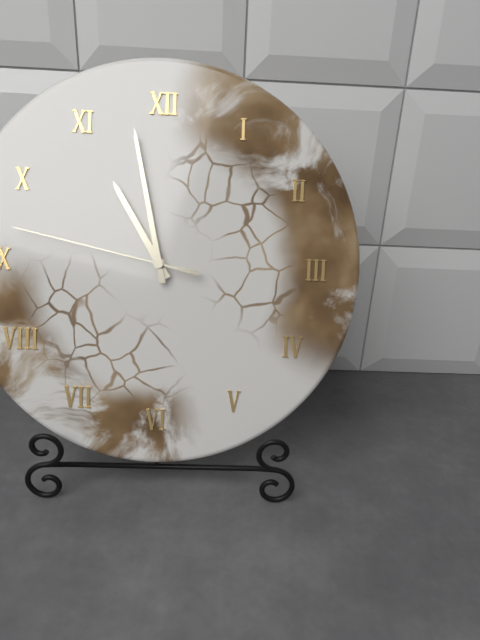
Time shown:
10.58.47
